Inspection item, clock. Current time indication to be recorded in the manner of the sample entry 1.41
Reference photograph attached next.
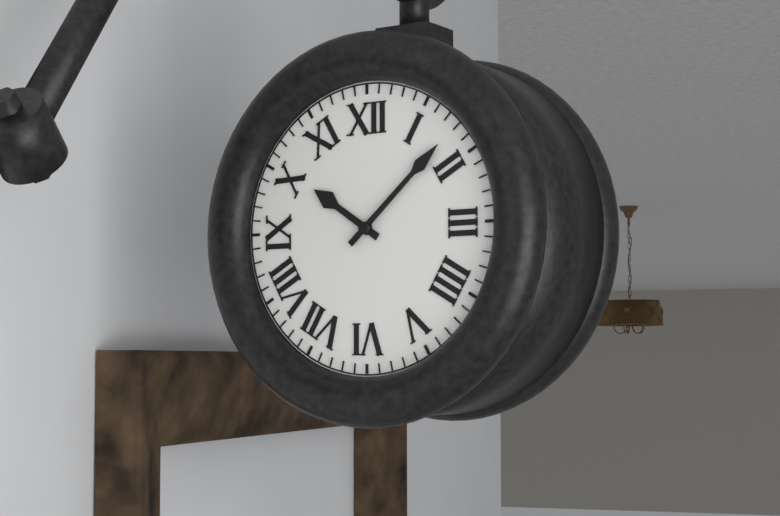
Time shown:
10.08
